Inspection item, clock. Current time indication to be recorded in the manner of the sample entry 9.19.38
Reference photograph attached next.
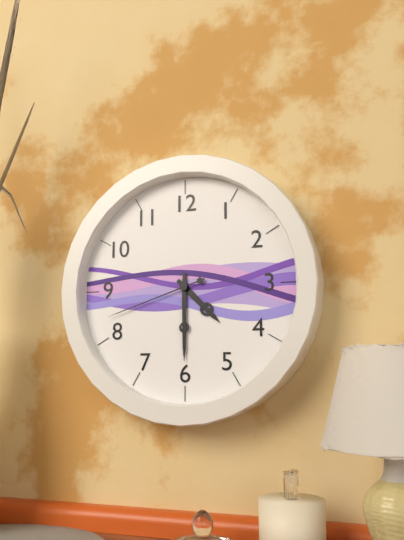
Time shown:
4.30.42
